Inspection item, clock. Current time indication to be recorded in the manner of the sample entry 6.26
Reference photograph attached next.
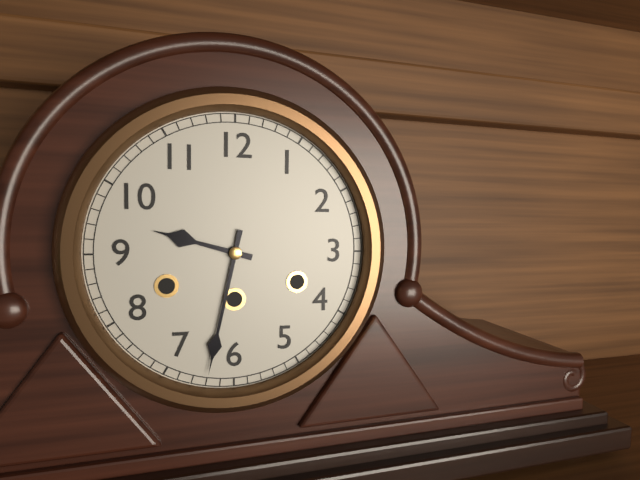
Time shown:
9.32
